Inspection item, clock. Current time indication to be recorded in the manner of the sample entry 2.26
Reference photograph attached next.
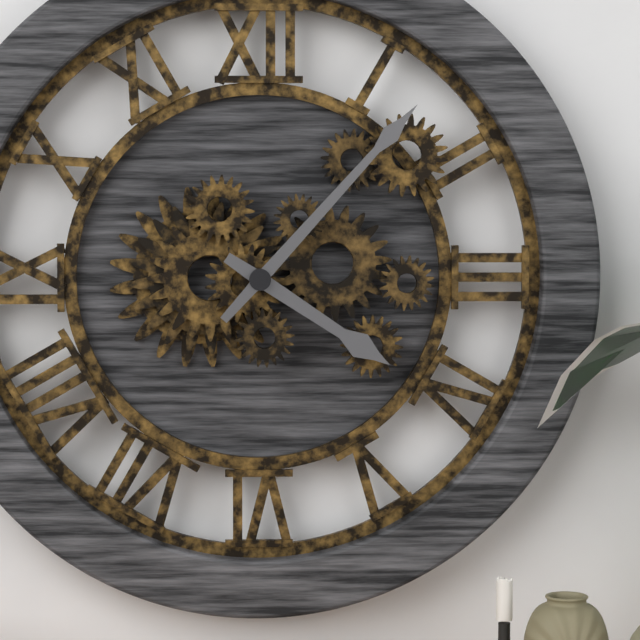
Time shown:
4.07
